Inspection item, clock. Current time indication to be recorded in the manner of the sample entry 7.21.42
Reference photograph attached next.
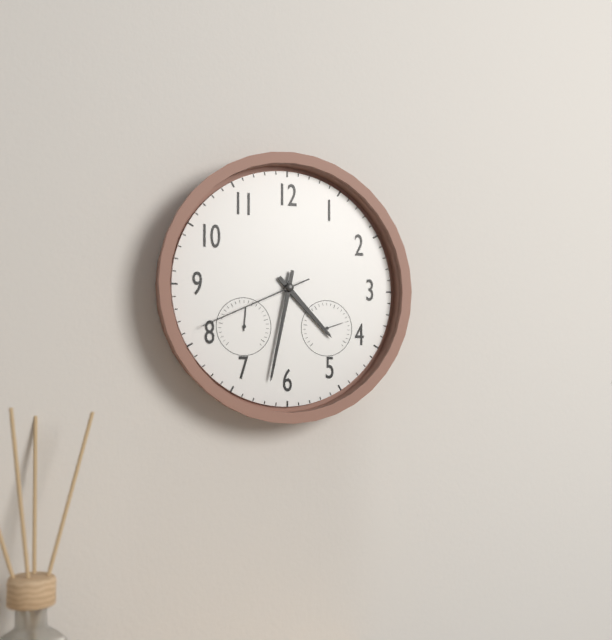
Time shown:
4.32.41
